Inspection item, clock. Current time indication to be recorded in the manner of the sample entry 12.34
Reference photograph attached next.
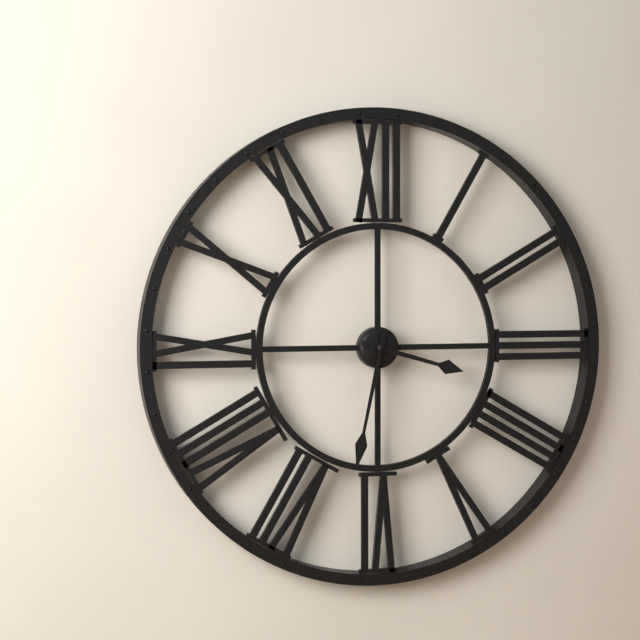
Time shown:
3.32
